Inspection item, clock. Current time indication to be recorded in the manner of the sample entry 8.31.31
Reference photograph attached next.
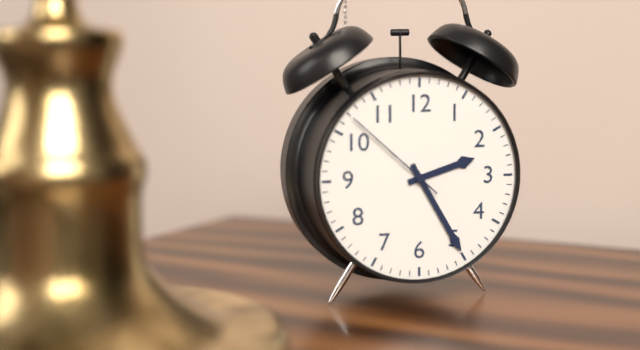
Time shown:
2.25.52
